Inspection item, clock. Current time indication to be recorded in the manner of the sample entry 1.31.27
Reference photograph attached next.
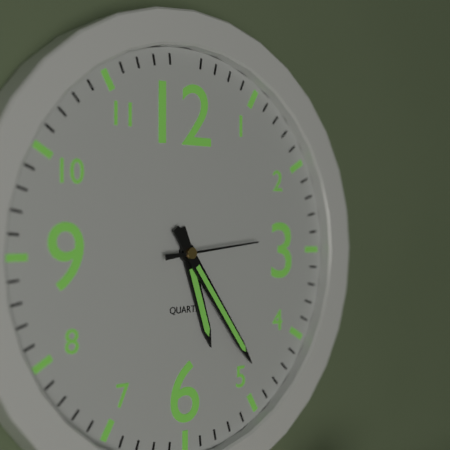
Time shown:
5.24.14
